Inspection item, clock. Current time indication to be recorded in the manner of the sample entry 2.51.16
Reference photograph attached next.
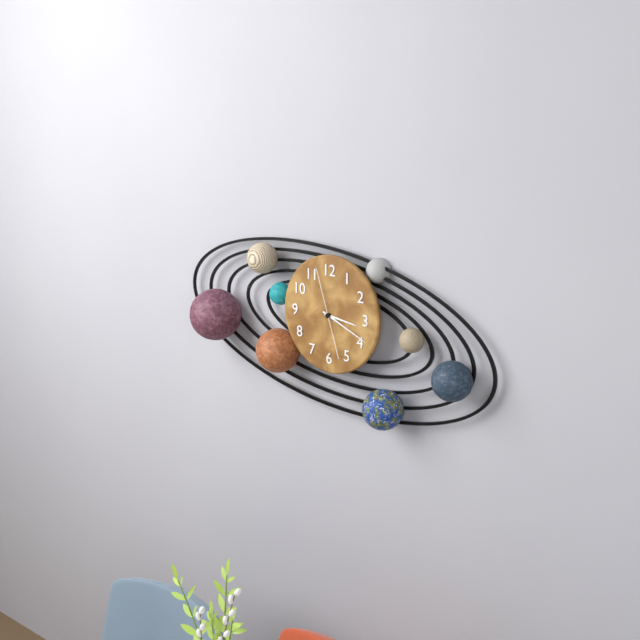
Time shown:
3.19.57
